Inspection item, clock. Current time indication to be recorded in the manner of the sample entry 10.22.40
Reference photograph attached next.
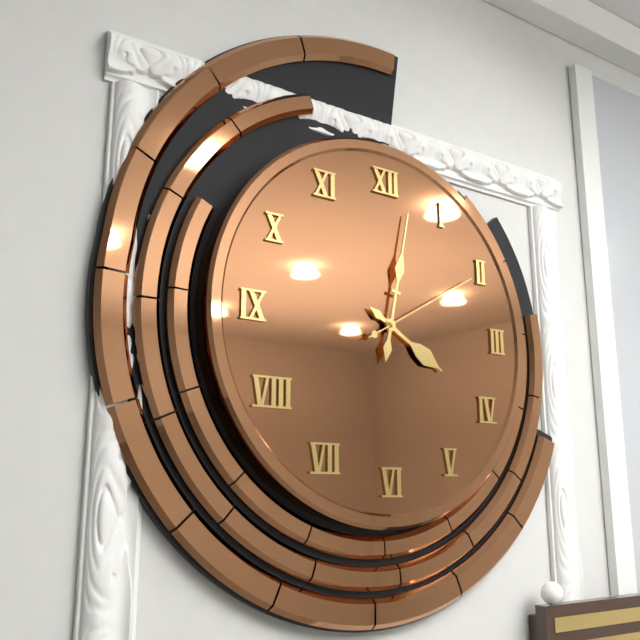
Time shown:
4.02.10
